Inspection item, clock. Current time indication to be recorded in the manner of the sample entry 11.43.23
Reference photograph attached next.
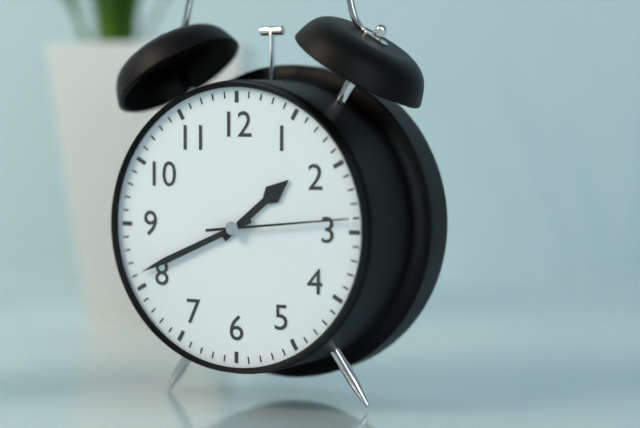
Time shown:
1.41.14
